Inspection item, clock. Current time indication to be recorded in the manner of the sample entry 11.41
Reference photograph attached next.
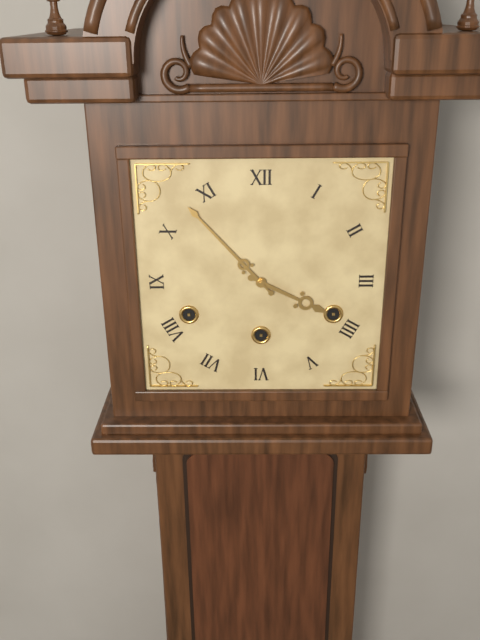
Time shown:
3.53
